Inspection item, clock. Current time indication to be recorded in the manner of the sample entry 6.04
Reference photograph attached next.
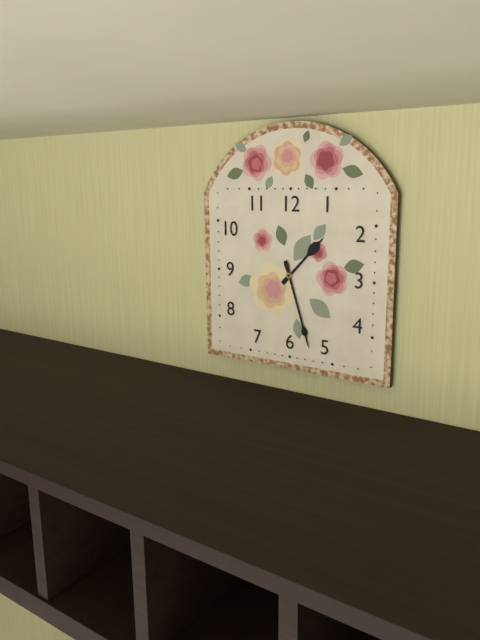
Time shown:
1.27
